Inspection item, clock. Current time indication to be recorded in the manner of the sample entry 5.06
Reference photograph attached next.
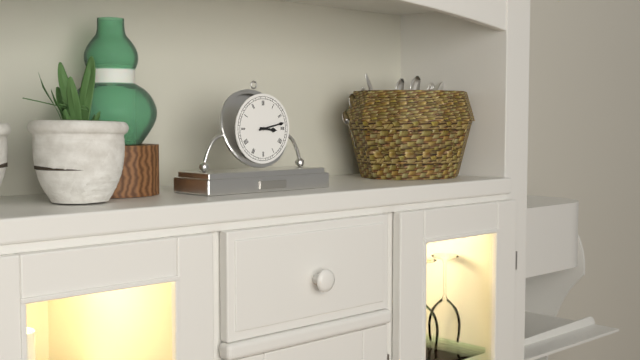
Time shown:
3.13
